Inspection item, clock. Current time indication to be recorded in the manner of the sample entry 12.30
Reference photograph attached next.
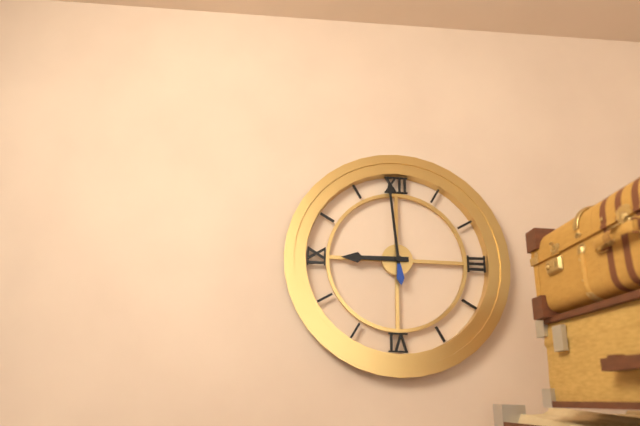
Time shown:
8.59
